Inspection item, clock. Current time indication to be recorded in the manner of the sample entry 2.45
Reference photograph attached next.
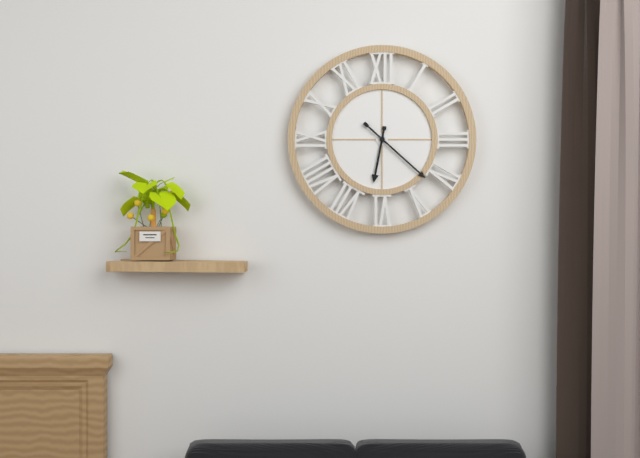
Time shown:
6.22
